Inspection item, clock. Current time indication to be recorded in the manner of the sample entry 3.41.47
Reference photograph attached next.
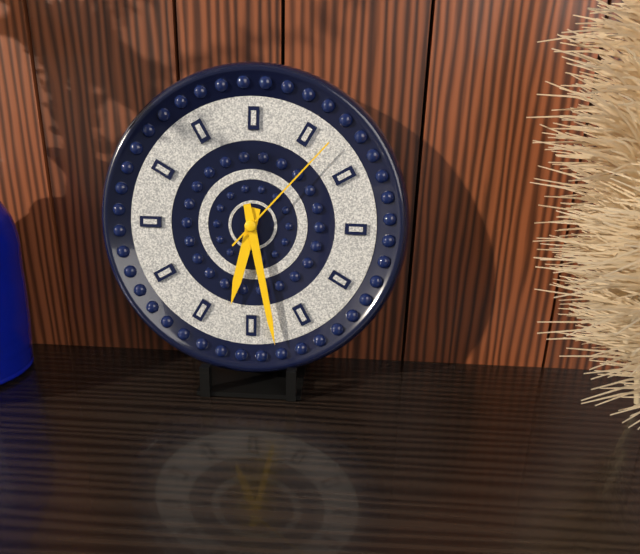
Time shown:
6.28.07
